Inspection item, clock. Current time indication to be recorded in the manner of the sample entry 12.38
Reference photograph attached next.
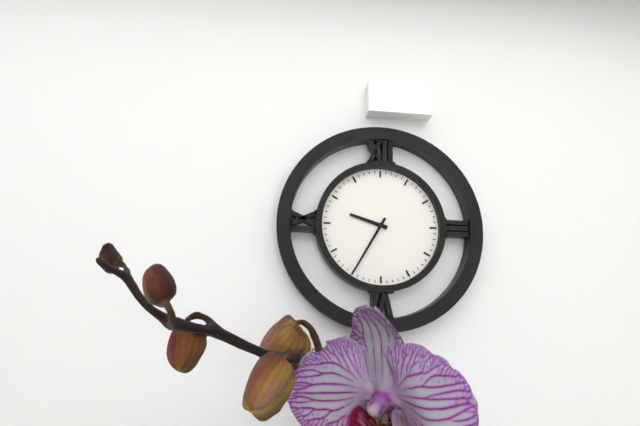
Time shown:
9.35
